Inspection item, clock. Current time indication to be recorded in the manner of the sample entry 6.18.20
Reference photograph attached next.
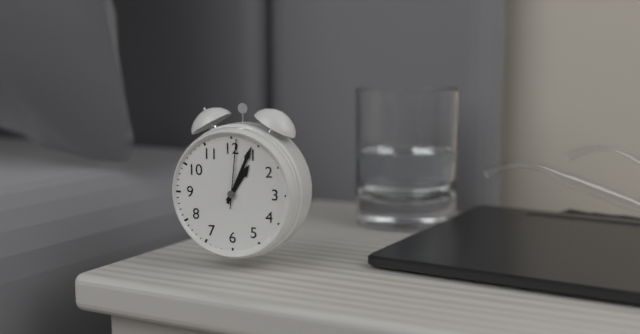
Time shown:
1.04.01
